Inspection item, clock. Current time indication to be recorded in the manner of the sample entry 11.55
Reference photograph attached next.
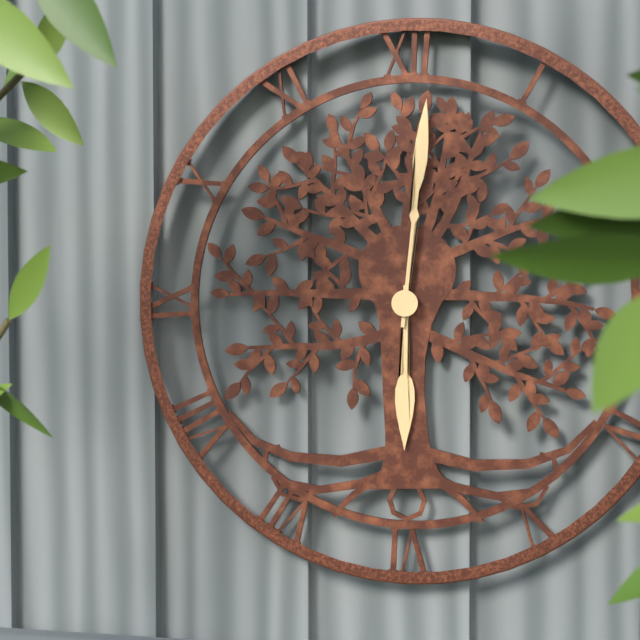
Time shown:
6.01
